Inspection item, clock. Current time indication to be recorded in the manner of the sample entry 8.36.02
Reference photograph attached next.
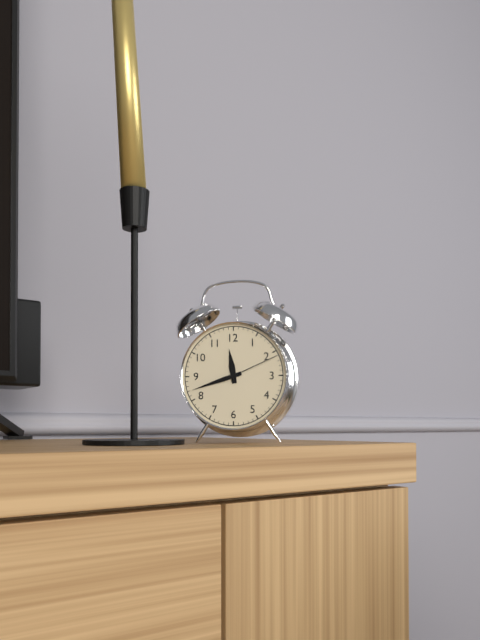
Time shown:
11.42.11
